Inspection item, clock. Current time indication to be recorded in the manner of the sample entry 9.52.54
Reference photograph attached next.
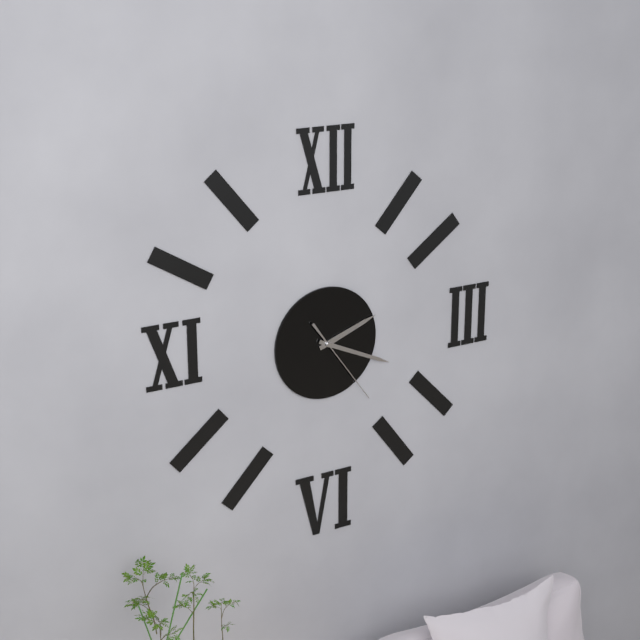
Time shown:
2.19.24
